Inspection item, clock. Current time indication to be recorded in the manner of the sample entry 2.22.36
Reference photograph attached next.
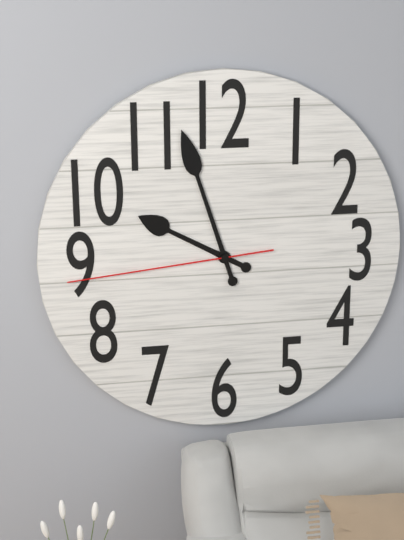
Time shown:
9.57.44
